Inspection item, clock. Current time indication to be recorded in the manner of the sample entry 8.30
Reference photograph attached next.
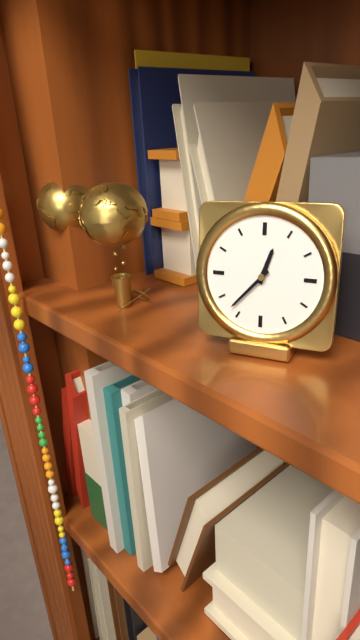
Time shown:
12.37
